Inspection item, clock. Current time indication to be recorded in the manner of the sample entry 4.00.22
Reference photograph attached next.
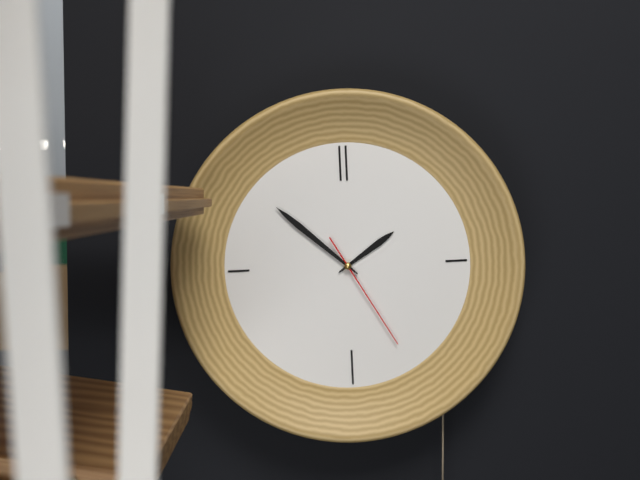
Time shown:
1.52.25
